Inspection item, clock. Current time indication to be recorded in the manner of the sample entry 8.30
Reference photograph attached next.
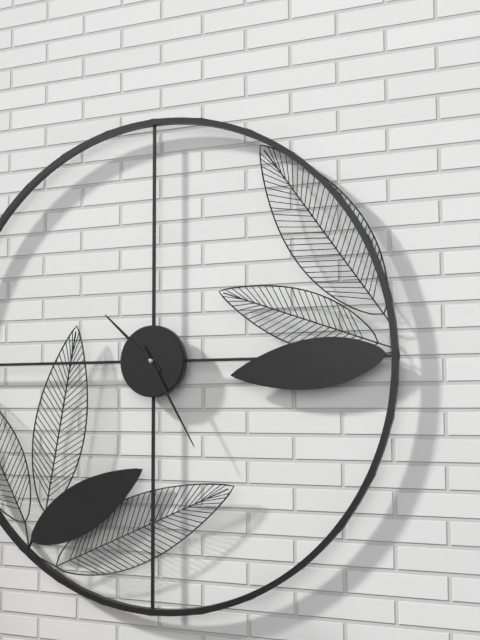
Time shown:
10.25
